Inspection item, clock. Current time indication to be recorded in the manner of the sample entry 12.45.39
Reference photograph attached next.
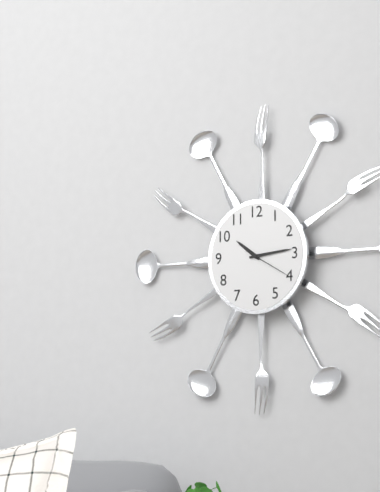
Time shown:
10.14.20
